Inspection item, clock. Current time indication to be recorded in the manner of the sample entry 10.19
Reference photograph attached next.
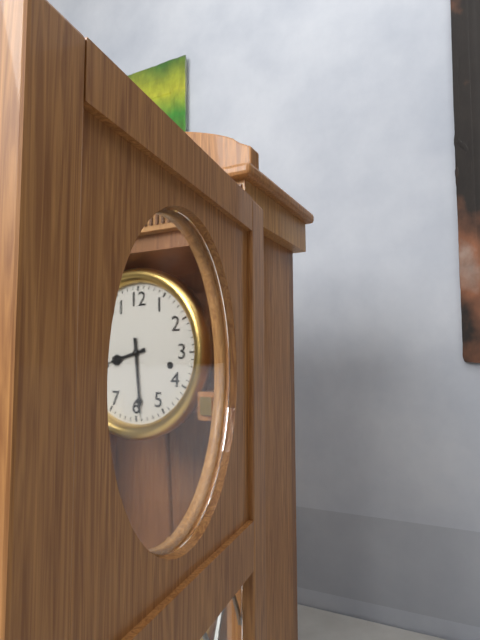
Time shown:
8.29
